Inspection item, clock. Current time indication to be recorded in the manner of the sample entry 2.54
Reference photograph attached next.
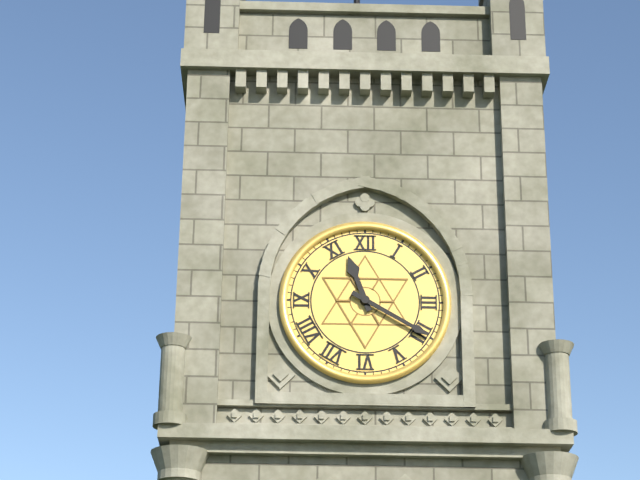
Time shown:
11.20
